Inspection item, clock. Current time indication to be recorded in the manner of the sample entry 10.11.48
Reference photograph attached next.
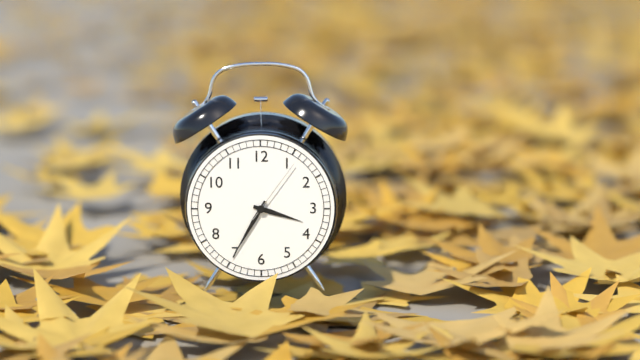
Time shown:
3.35.06
